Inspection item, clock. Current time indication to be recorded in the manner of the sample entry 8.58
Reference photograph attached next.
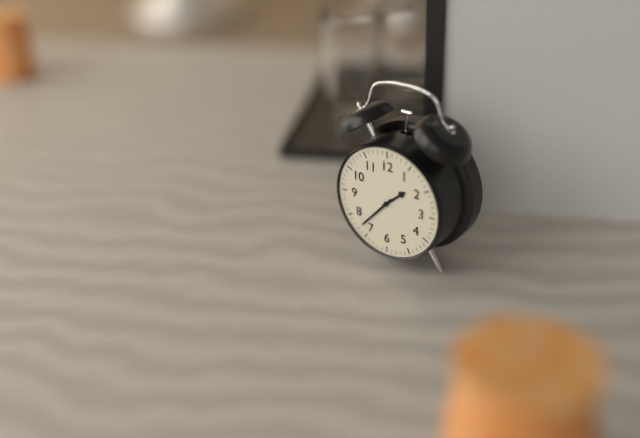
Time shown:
1.37
